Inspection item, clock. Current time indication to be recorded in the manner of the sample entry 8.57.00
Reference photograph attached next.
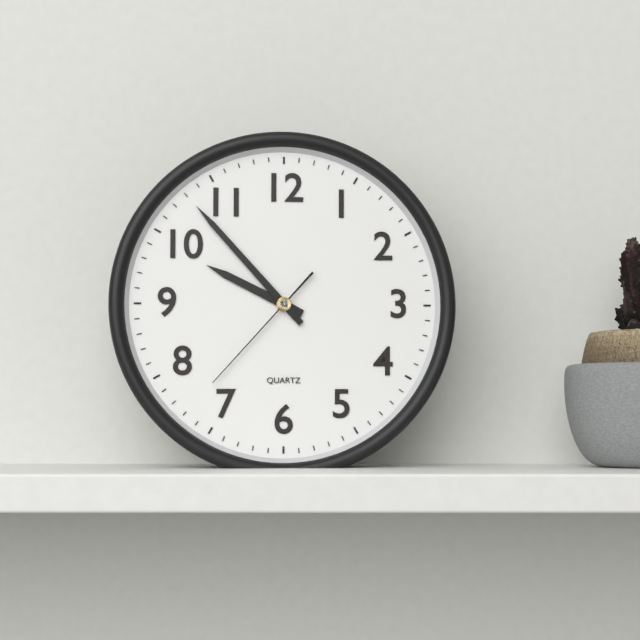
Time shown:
9.53.37
